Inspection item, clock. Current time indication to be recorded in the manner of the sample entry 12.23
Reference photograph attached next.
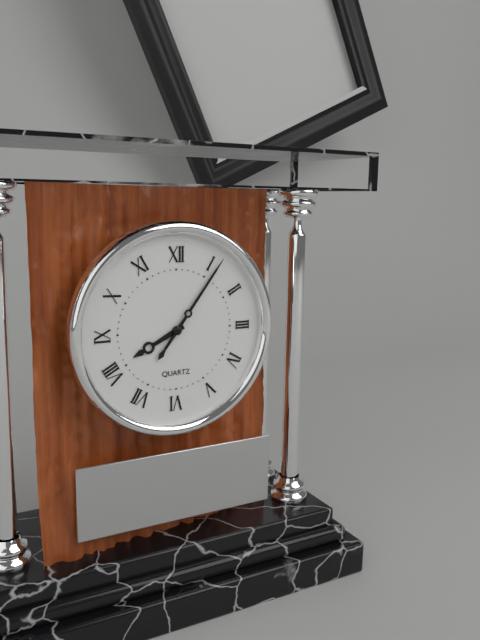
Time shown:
8.06
